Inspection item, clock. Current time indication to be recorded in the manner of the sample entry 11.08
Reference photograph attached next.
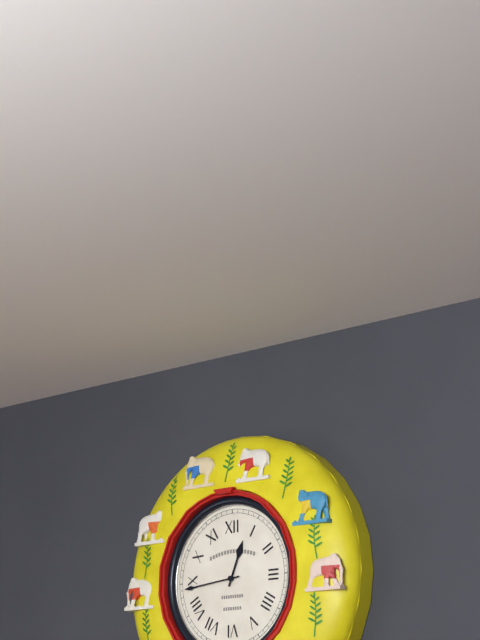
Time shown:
12.44
